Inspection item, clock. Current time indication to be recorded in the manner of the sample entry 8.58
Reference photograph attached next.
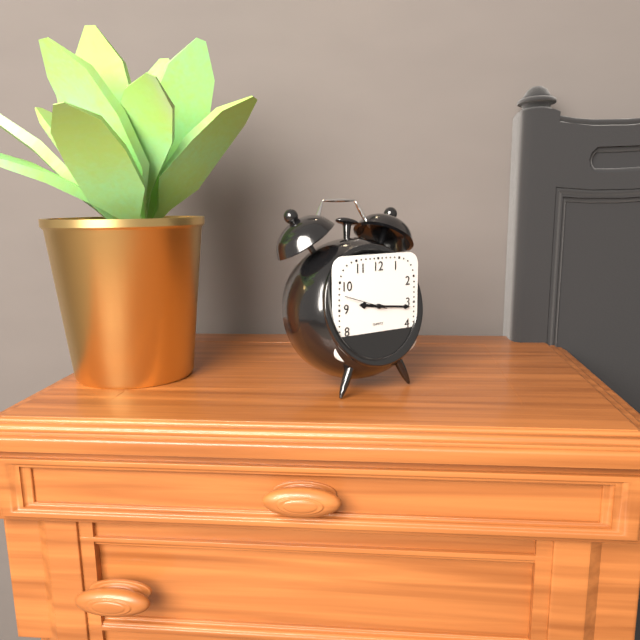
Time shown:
9.16
